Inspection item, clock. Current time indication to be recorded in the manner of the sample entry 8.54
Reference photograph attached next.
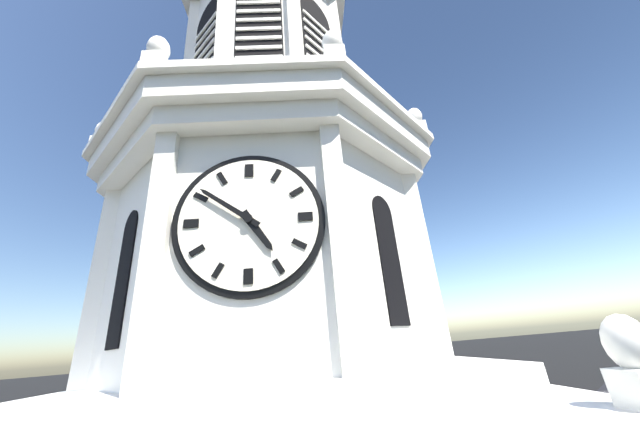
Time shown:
4.51
